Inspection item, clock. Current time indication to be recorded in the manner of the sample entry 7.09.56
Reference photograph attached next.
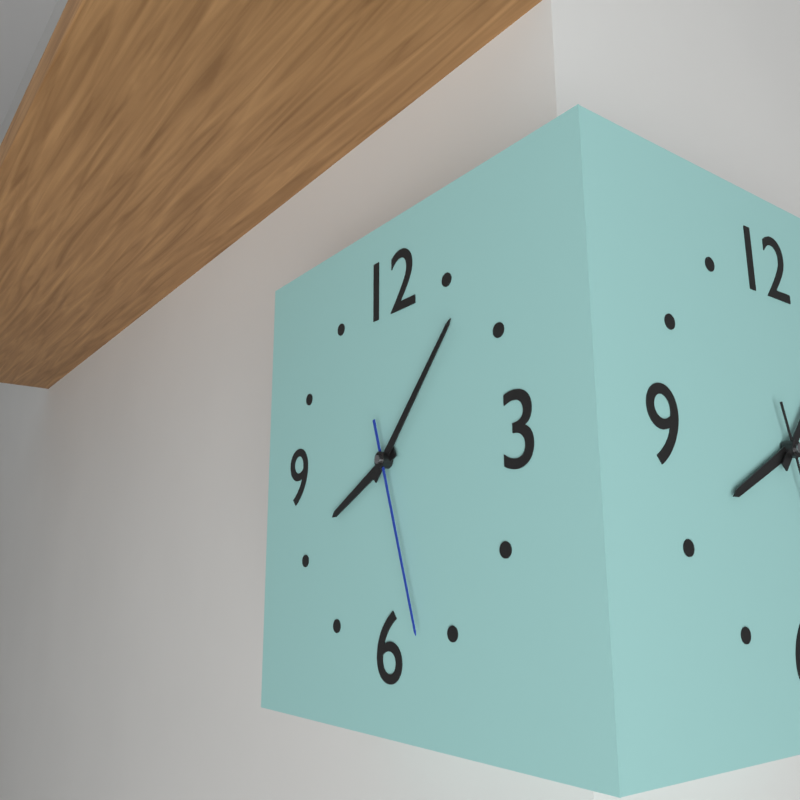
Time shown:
8.07.27
